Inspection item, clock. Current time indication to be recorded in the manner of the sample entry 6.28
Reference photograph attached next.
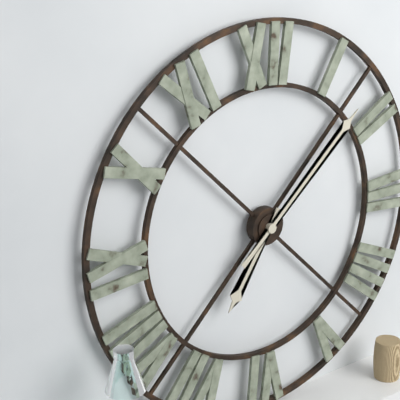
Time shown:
7.08
